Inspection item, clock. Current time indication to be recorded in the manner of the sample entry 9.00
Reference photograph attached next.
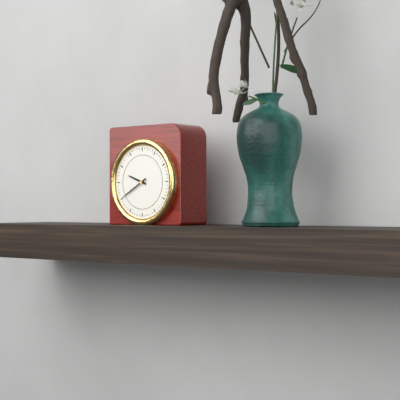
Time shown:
9.40
